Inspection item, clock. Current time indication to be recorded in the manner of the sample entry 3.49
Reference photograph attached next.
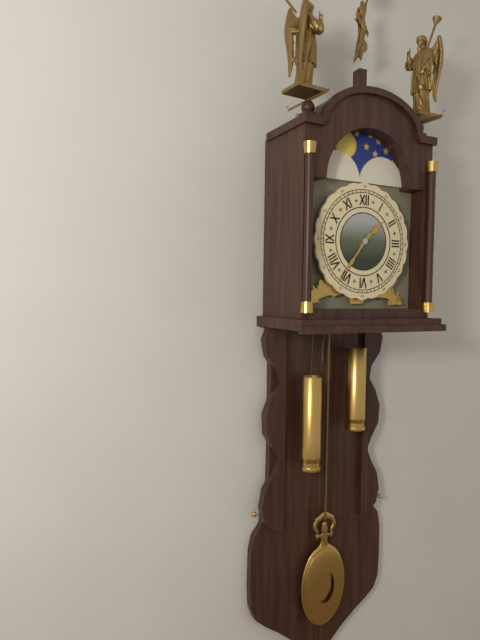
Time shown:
1.36
